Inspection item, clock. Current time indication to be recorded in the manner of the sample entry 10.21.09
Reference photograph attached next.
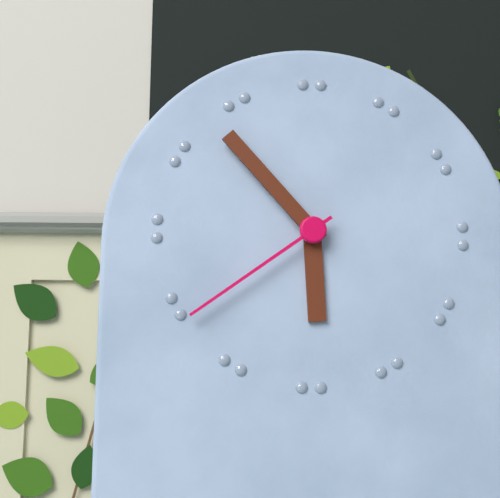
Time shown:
5.53.39
